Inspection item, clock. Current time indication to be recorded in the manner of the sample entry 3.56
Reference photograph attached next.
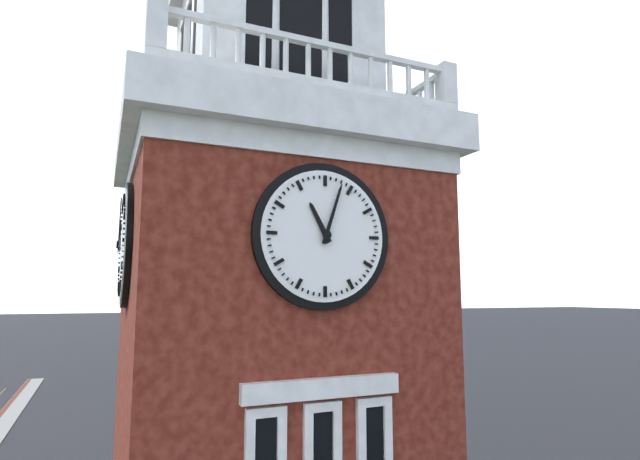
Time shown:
11.03
